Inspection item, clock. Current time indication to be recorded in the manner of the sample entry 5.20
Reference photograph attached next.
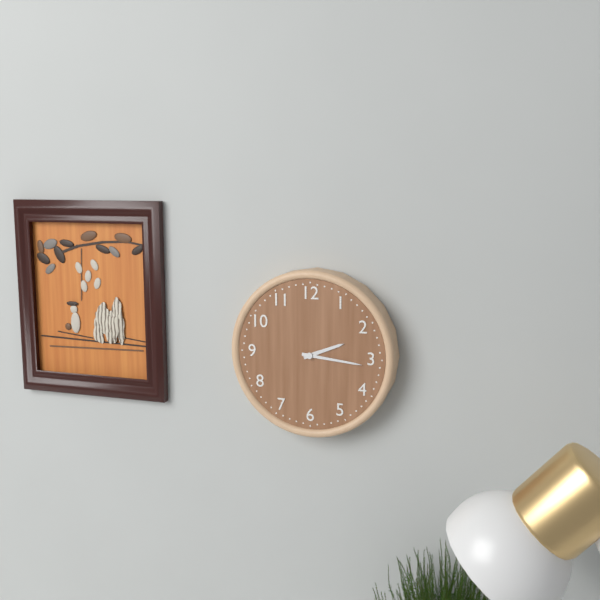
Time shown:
2.16
